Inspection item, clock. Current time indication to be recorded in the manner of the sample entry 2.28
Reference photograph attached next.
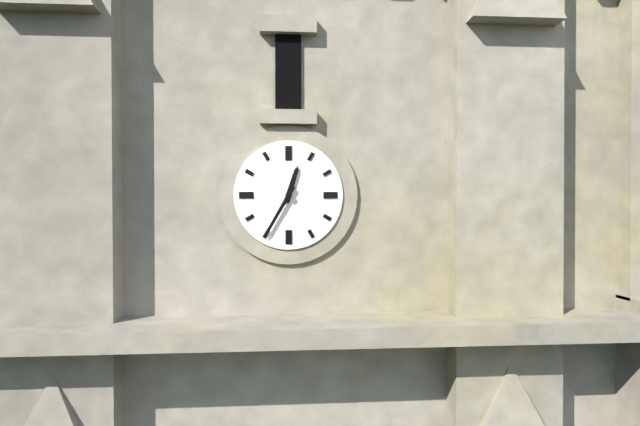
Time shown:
12.35
